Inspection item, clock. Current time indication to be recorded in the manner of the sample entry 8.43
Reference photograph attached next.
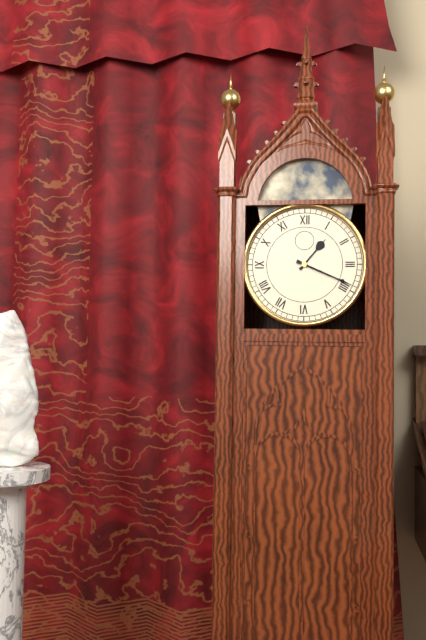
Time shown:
1.19
